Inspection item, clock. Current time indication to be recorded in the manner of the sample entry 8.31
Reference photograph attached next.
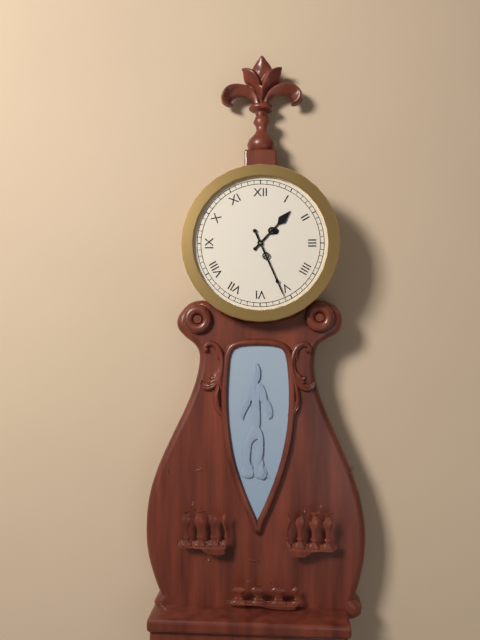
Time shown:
1.26
